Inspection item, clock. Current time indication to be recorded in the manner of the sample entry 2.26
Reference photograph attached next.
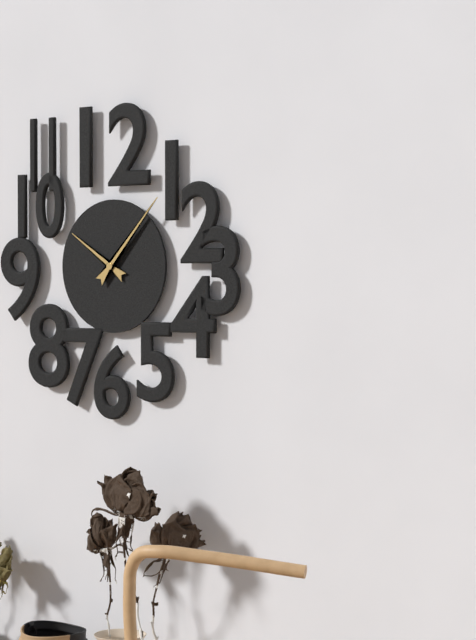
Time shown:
10.07
